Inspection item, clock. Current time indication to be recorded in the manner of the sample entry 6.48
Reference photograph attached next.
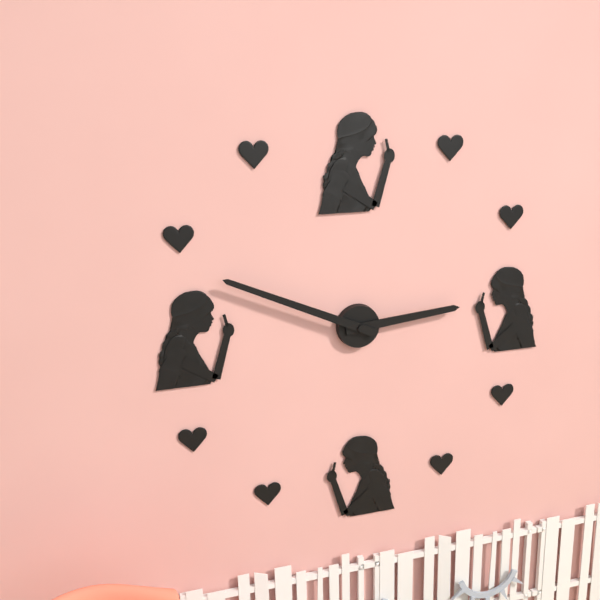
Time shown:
2.49
